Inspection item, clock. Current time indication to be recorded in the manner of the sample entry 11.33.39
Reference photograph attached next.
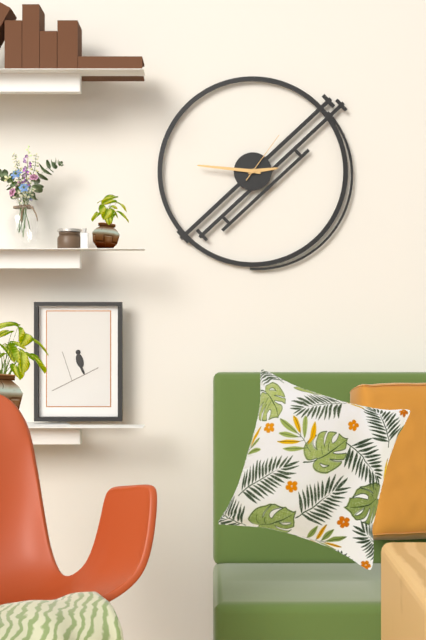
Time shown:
2.46.06
